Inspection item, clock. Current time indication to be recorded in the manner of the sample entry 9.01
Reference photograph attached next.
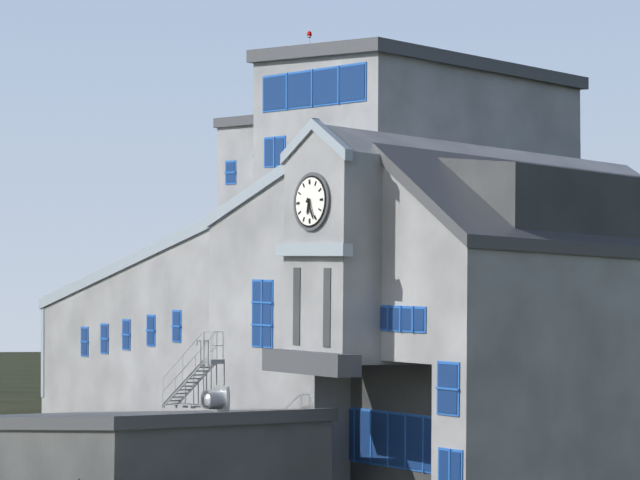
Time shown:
6.26
